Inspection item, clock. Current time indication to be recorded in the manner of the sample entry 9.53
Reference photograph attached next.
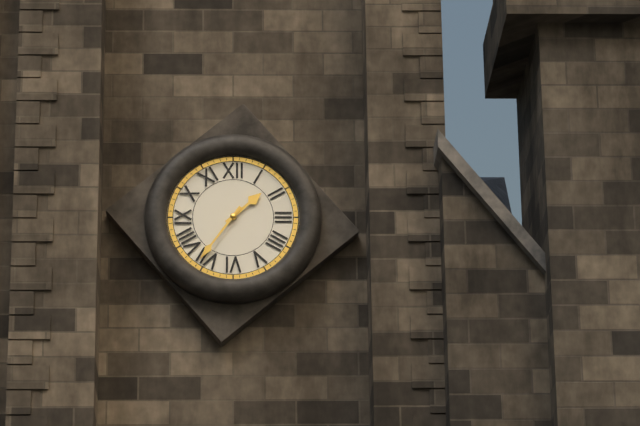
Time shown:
1.36
